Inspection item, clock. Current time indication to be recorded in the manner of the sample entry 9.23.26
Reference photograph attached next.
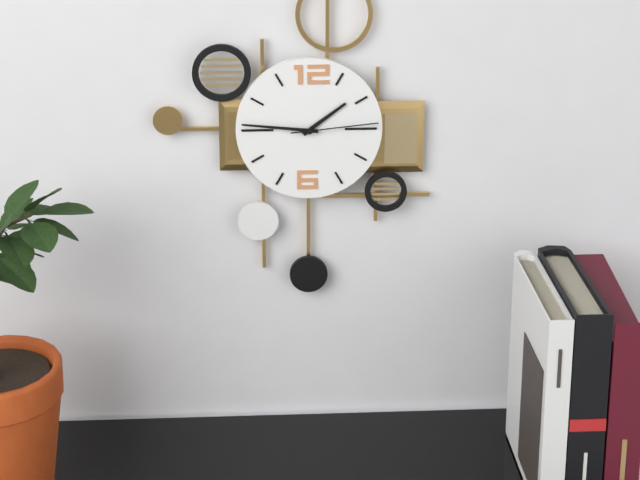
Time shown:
1.46.14
